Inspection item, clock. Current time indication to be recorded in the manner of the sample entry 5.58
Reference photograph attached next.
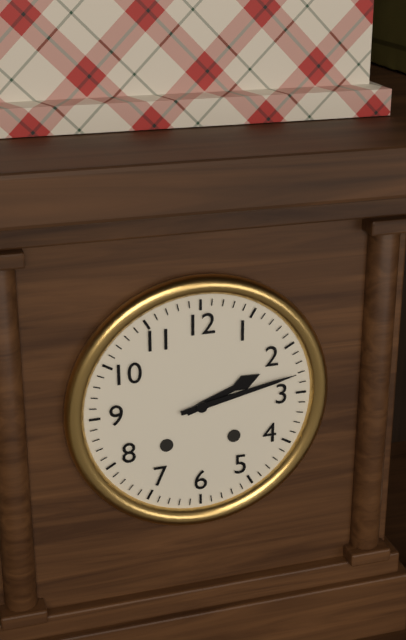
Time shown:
2.13
